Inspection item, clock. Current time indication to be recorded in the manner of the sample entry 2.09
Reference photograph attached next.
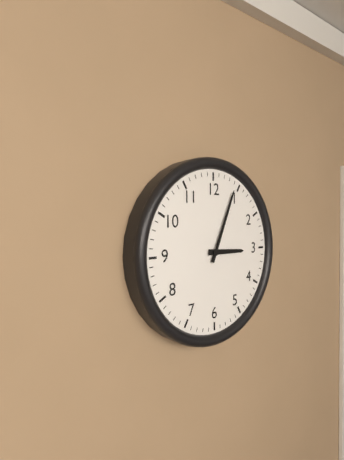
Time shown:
3.04
